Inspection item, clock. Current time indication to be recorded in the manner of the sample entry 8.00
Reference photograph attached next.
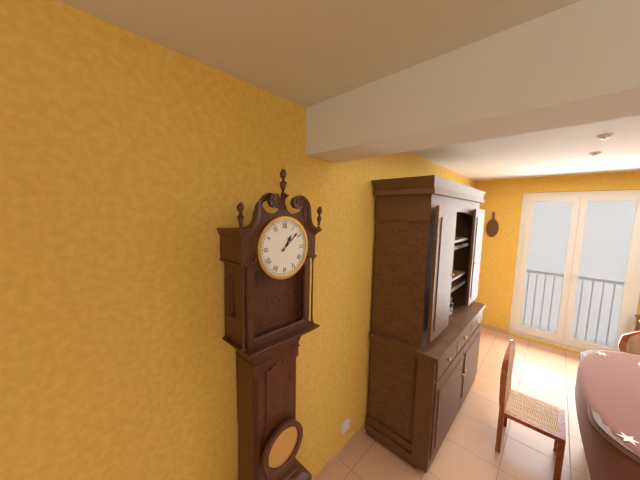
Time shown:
1.08
